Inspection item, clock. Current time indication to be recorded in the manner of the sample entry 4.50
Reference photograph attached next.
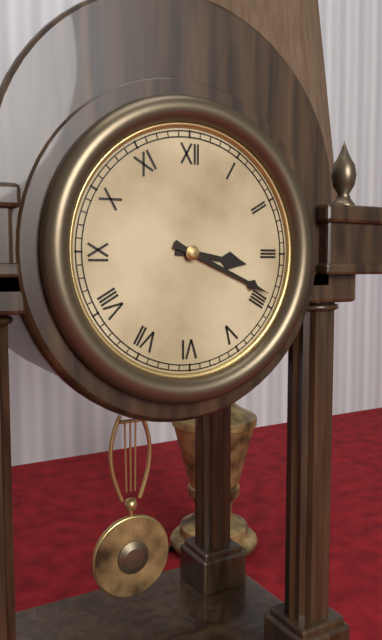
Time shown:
3.19
